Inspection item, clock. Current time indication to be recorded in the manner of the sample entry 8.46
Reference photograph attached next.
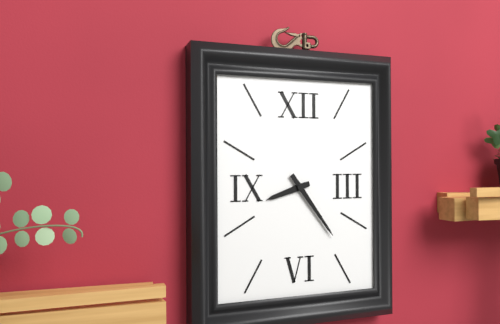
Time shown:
8.24
